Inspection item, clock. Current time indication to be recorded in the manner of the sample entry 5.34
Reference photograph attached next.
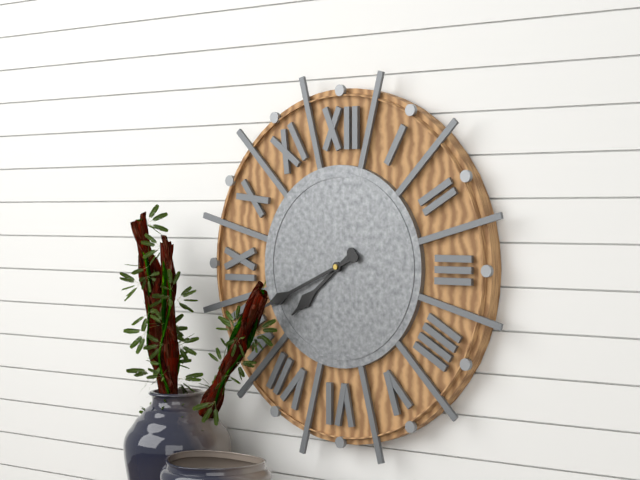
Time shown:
7.41
